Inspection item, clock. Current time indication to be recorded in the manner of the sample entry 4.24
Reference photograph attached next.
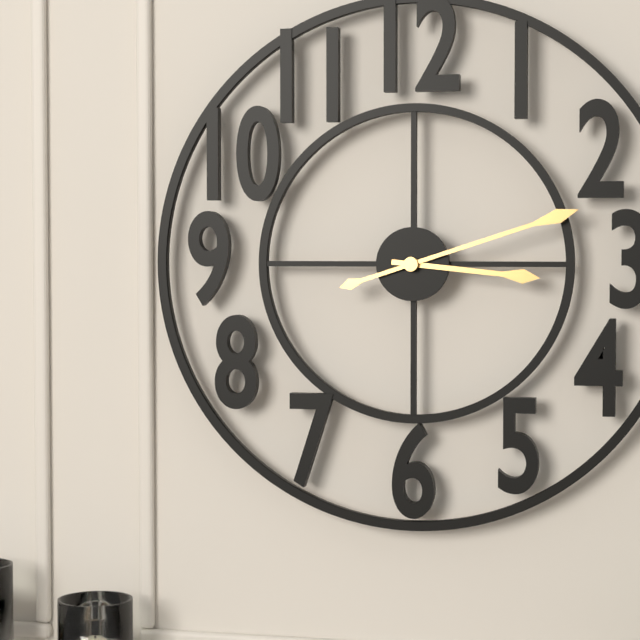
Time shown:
3.12
